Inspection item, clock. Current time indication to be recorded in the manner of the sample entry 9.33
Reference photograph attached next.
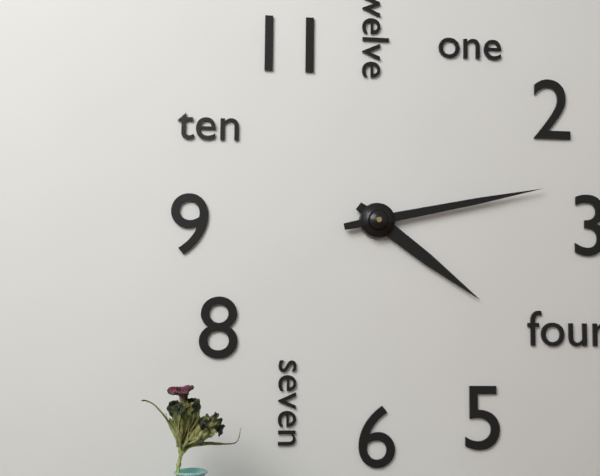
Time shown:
4.13
